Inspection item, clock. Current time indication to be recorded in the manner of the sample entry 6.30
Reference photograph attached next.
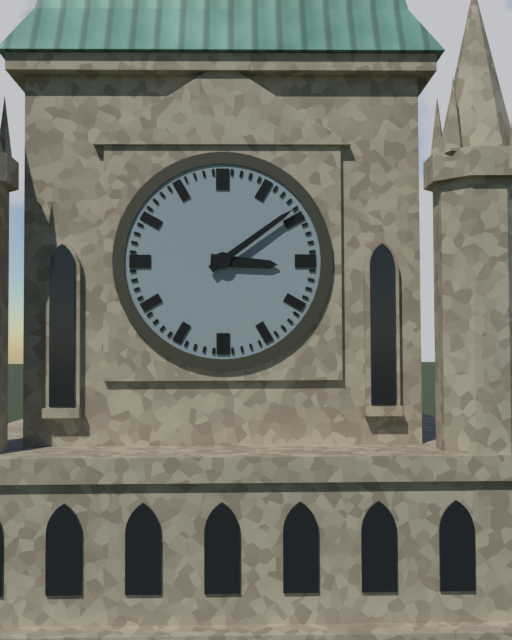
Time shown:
3.09
